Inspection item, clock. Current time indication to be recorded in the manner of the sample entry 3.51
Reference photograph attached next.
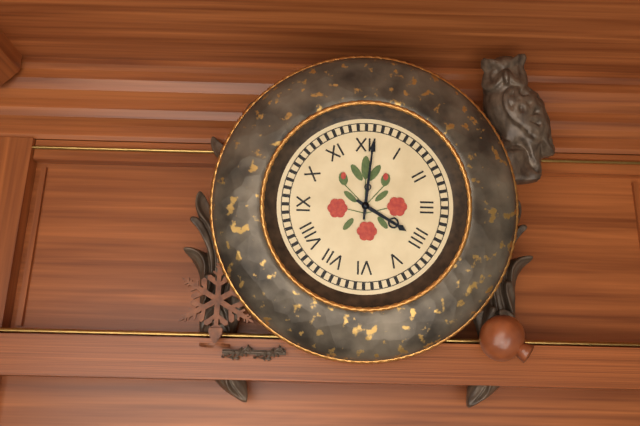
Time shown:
4.01
